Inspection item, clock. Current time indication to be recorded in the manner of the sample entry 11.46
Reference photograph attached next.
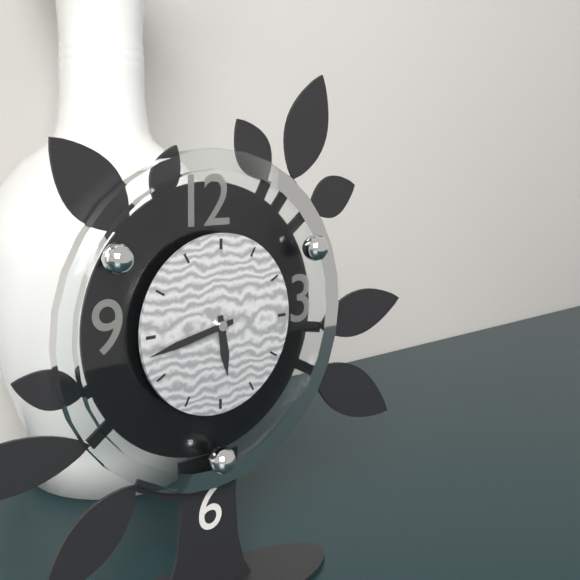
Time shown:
5.43
